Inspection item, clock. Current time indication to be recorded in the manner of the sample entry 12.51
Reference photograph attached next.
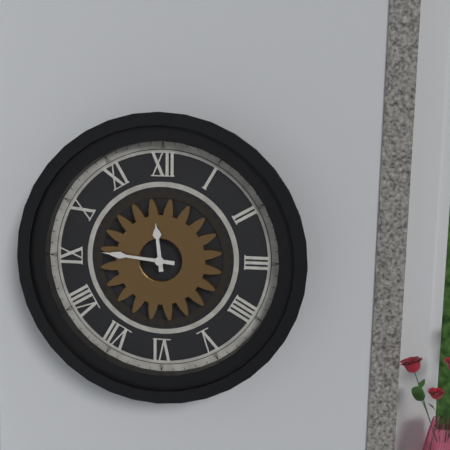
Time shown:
11.46
